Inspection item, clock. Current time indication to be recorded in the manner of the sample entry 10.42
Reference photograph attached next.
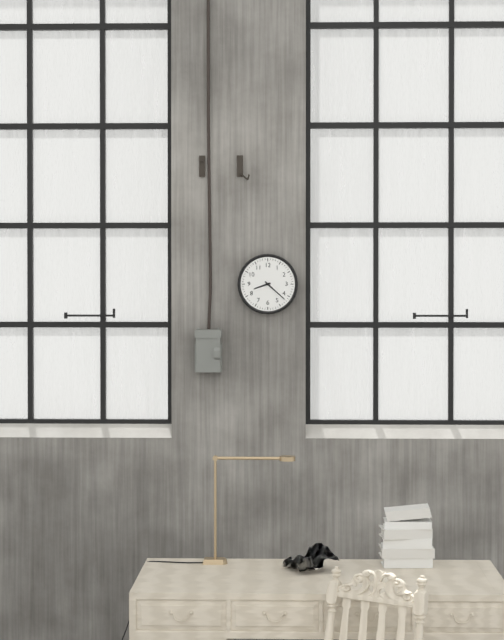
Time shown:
8.22
